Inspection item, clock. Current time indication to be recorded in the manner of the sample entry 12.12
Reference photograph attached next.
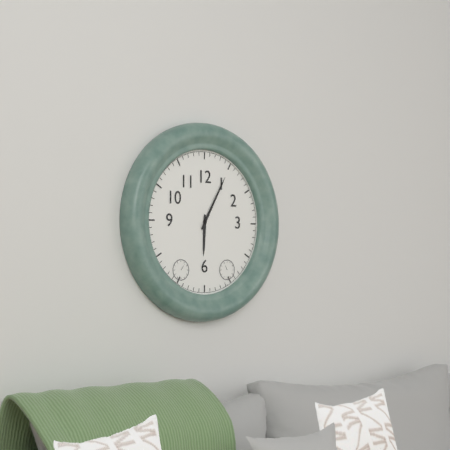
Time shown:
6.05
